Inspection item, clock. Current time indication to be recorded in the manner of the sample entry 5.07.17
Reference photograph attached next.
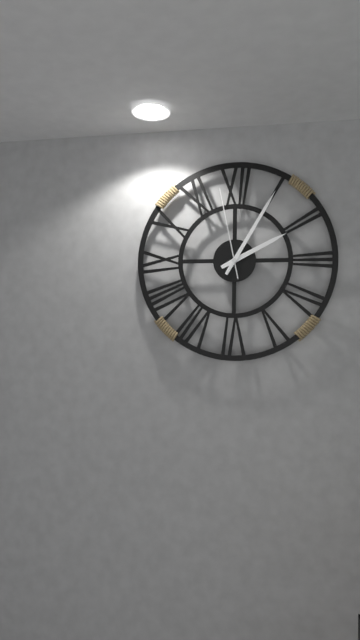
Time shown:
2.05.58
